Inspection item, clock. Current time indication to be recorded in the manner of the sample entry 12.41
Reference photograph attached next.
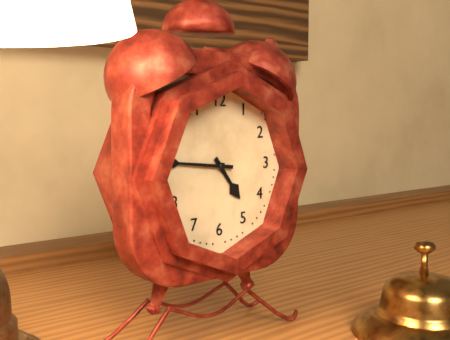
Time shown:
4.46
